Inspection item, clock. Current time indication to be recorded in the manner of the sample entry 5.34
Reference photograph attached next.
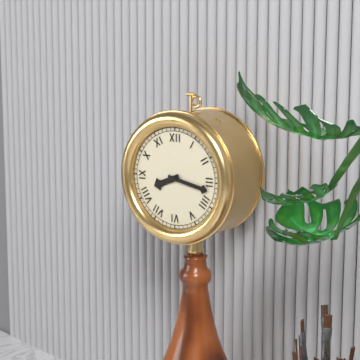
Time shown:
8.17
